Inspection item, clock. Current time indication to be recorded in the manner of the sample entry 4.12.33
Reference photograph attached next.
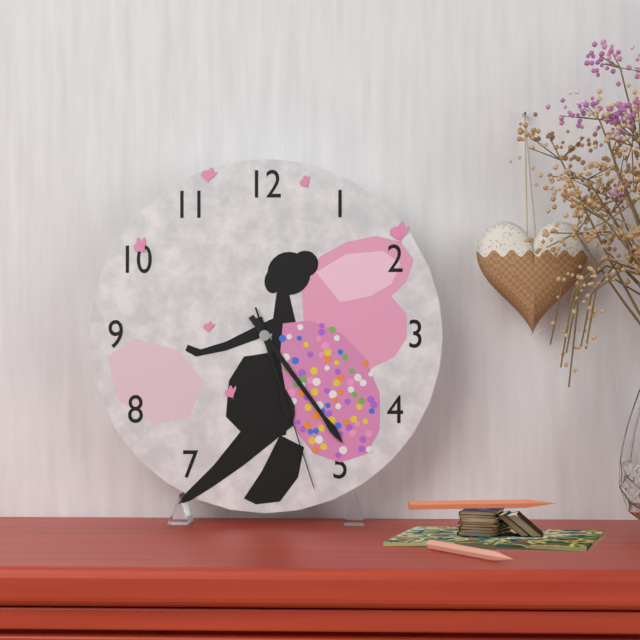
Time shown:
5.24.27
